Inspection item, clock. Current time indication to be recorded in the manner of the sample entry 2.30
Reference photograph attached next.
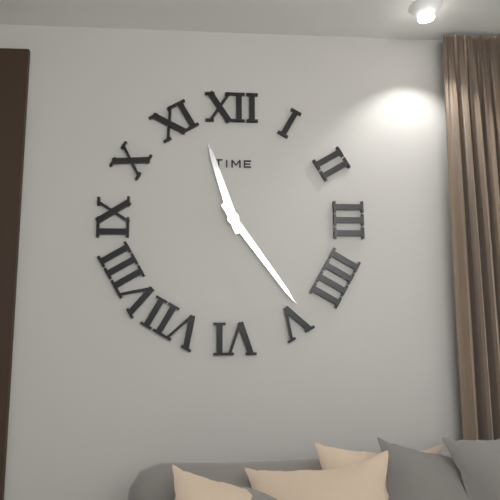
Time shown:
11.24
